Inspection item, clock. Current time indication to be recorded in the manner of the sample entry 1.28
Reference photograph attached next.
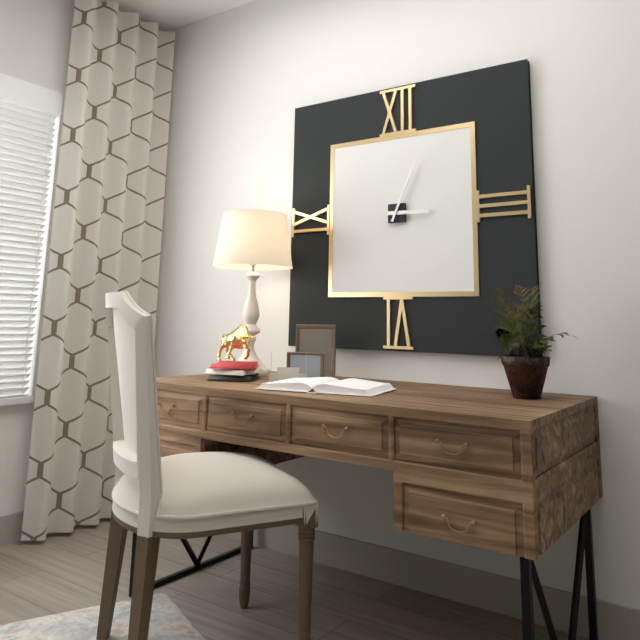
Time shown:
3.04
